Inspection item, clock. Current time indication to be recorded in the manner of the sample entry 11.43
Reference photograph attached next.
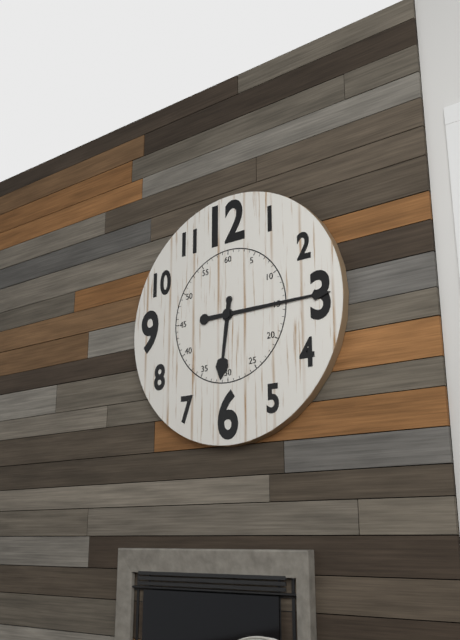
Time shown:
6.15
